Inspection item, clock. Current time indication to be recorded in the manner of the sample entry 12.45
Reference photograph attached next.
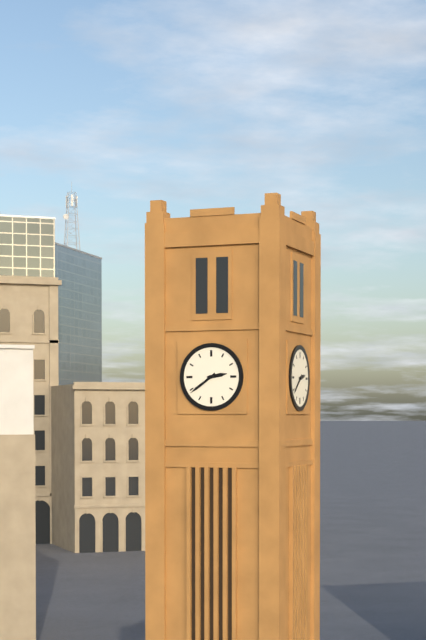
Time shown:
2.39
